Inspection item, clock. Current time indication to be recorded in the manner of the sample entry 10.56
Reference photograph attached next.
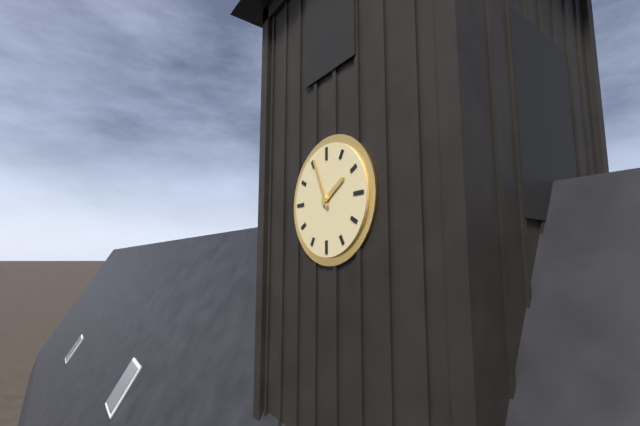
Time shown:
1.56
